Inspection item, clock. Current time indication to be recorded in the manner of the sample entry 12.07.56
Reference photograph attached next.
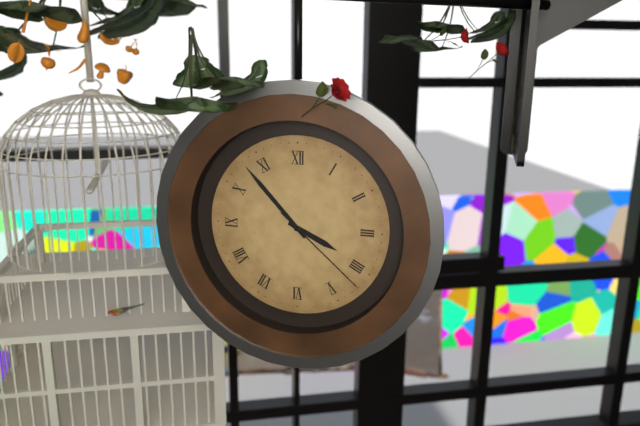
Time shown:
3.53.22
